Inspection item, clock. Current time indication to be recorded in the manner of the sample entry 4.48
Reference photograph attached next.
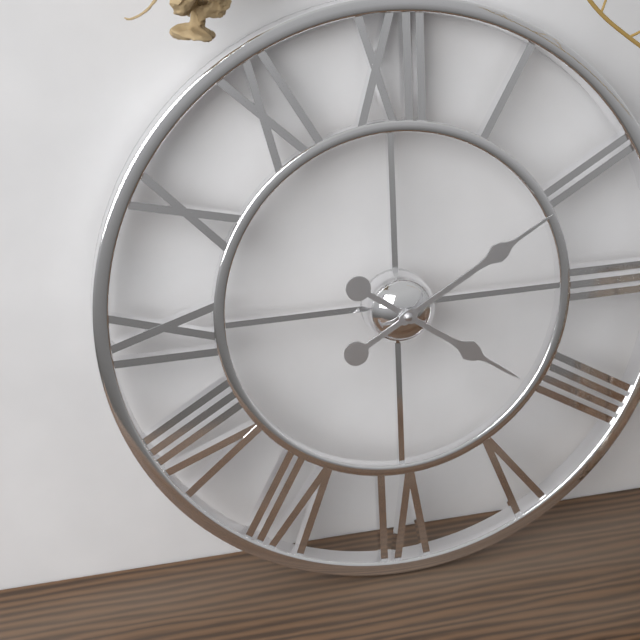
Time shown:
4.10
